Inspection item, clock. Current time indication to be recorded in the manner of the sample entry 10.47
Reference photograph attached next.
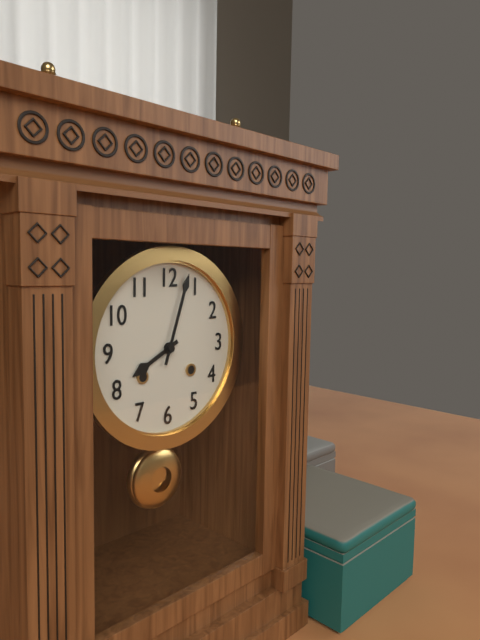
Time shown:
8.03
